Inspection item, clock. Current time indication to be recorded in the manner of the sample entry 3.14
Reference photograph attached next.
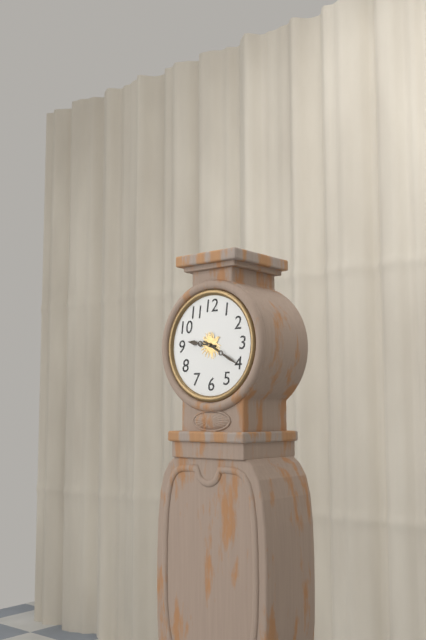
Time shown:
9.20
